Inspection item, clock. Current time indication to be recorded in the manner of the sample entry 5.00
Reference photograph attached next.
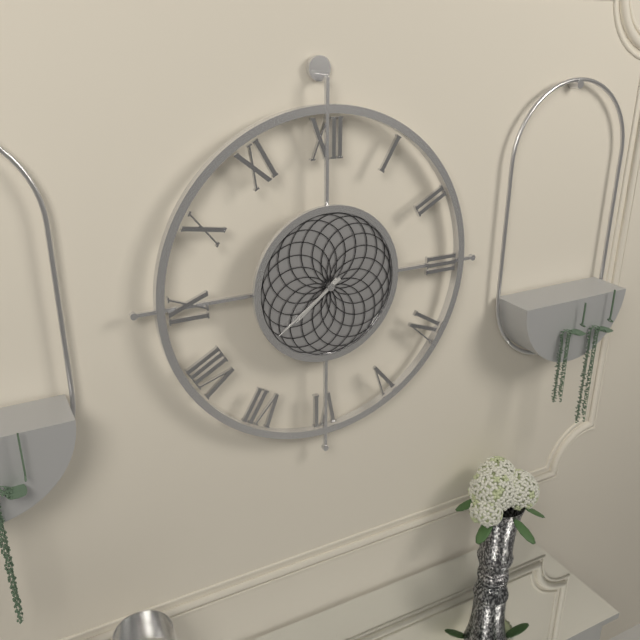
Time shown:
7.39
